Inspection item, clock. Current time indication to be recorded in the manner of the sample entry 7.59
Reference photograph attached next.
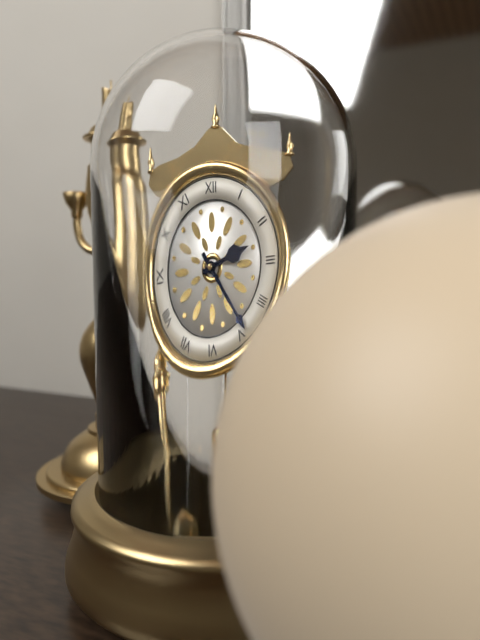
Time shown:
2.24
